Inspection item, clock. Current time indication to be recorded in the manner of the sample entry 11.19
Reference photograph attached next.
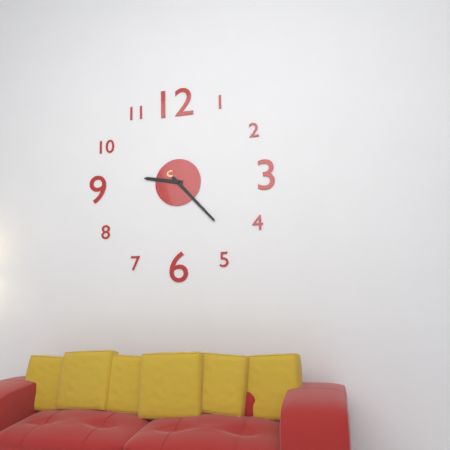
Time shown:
9.23
